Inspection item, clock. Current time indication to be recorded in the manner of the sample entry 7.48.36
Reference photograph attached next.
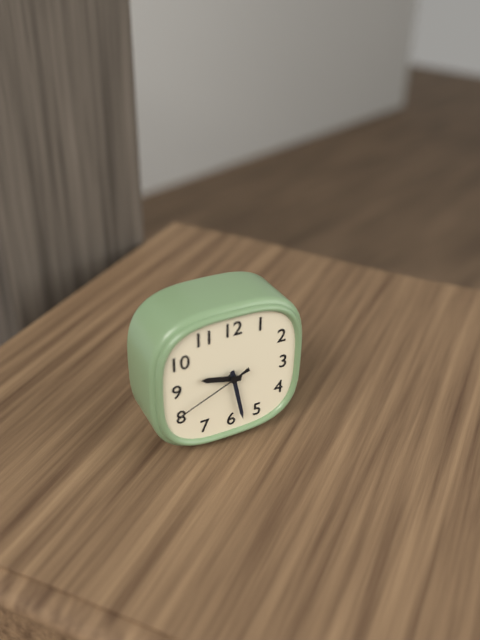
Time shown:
9.28.41
